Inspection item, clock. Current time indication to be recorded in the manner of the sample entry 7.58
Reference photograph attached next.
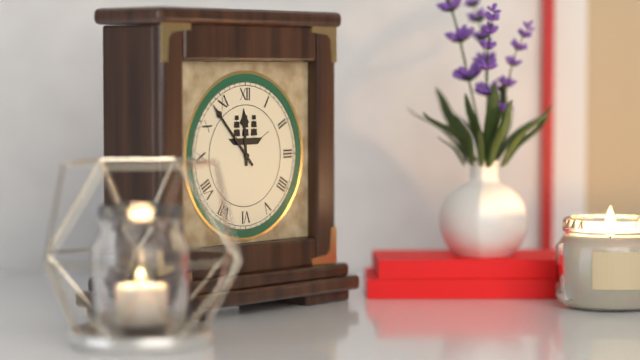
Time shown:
11.53
